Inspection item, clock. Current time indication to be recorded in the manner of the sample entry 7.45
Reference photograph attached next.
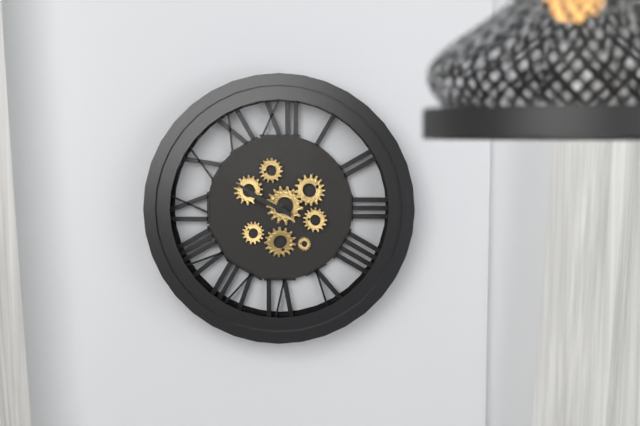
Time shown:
9.50
